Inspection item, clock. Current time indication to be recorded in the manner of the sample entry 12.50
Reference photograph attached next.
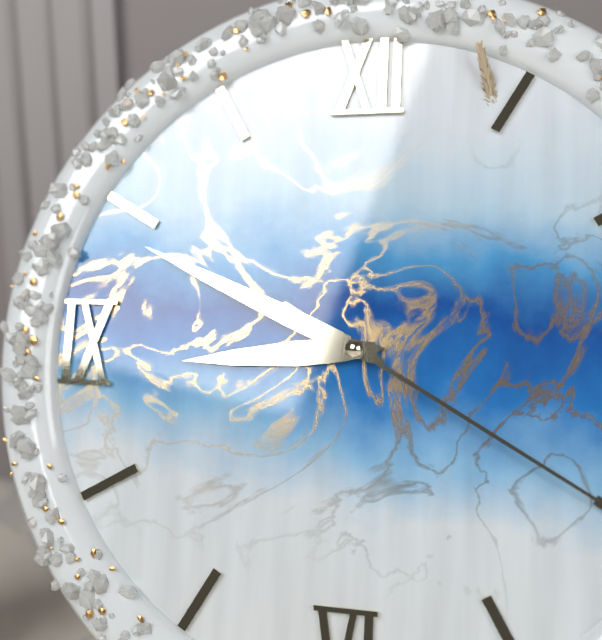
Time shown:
8.49
